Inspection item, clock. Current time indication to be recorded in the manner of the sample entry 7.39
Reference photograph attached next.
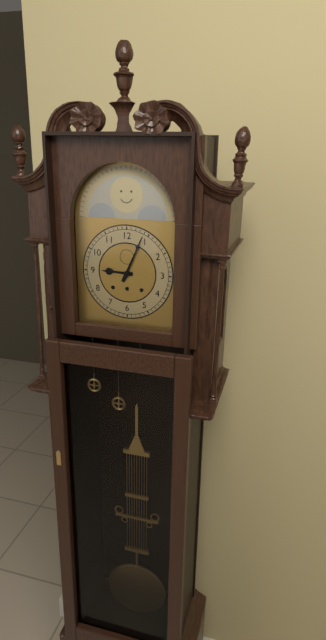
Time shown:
9.04
